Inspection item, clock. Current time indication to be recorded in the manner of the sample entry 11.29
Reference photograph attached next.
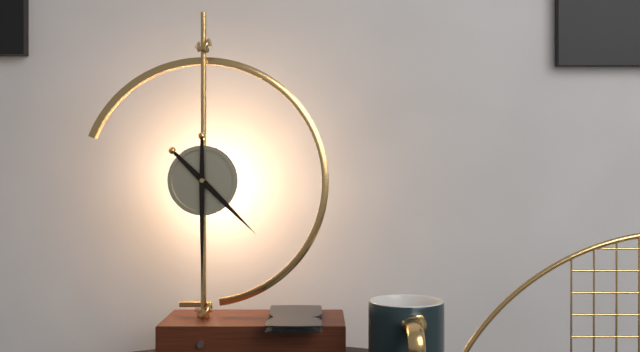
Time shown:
4.30
